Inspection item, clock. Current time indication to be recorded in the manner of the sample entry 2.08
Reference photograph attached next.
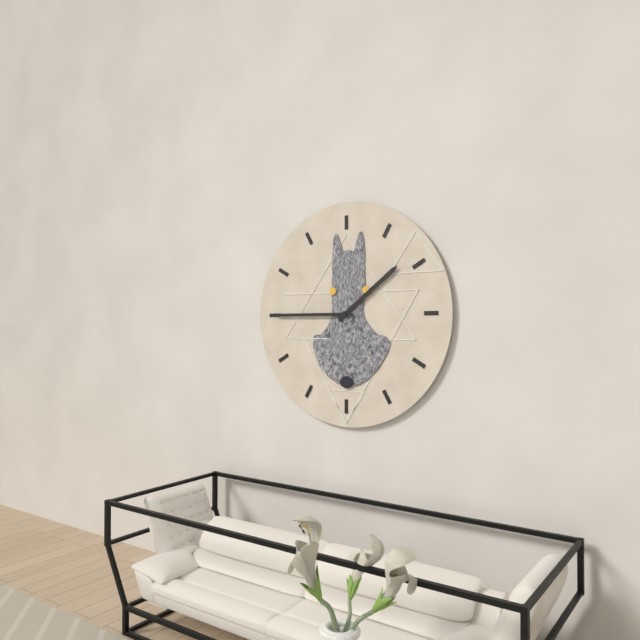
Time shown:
1.45
